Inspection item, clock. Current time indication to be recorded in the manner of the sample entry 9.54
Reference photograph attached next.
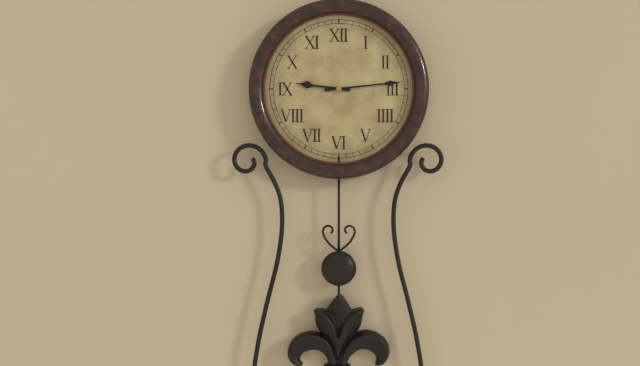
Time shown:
9.14
